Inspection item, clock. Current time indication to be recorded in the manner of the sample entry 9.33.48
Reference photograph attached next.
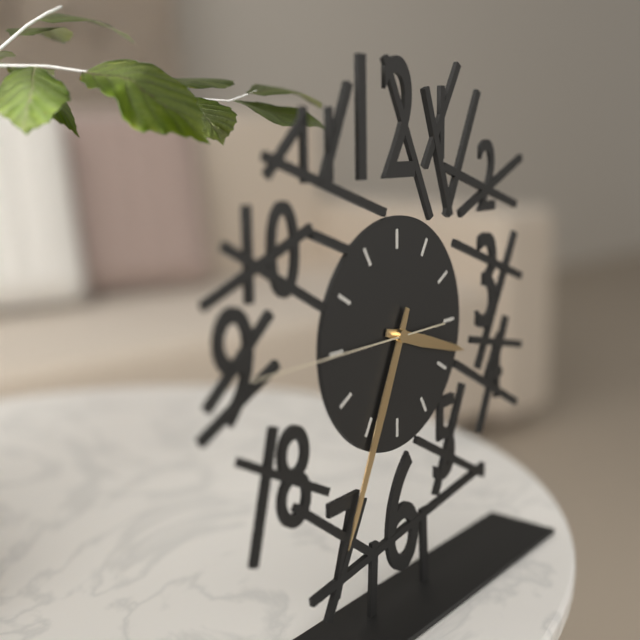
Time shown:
3.34.45
